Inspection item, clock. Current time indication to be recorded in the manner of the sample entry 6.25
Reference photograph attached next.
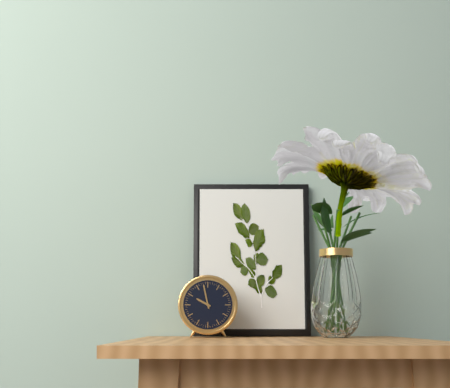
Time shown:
9.58
